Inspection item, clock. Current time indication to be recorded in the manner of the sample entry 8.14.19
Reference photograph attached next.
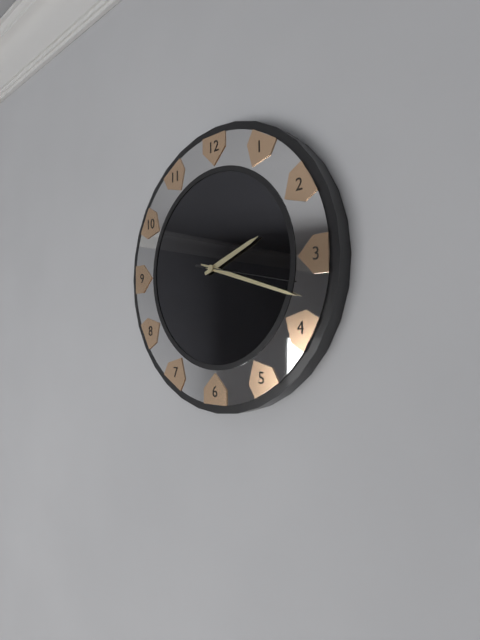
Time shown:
2.18.17
